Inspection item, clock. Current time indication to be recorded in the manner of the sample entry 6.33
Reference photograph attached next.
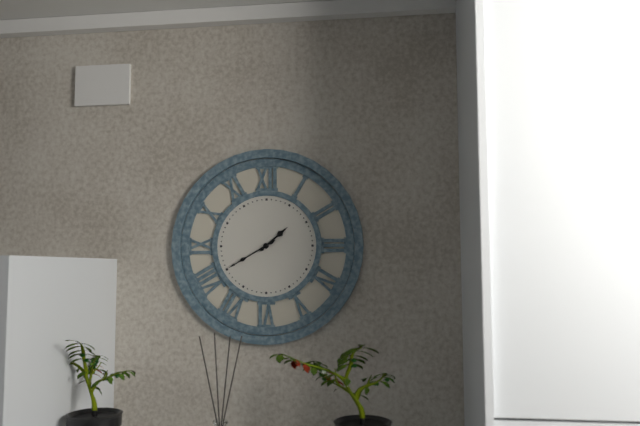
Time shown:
1.40
